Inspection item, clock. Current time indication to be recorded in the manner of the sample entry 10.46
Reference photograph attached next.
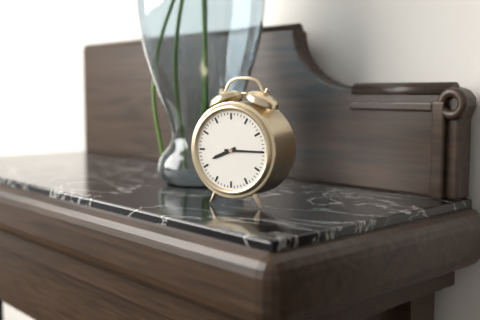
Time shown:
8.15
